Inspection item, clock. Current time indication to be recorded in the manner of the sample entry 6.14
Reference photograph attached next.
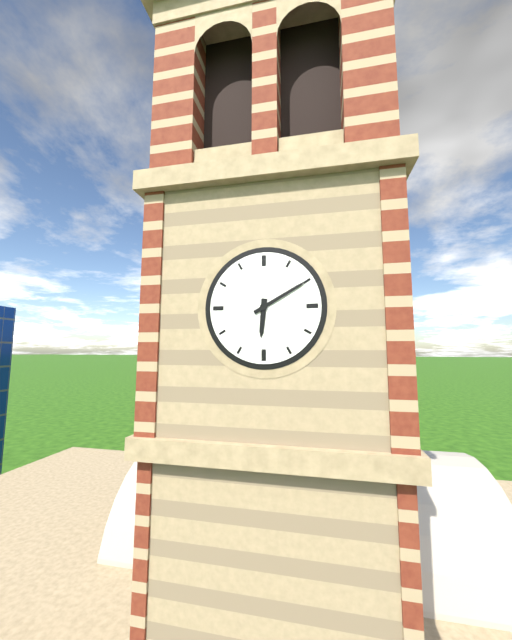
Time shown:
6.10
